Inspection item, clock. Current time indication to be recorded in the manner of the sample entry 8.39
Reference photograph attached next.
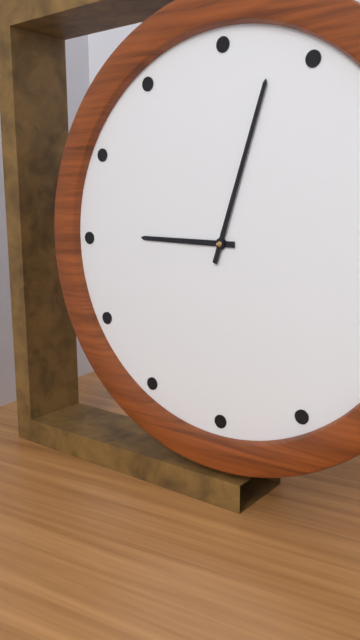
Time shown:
9.03
